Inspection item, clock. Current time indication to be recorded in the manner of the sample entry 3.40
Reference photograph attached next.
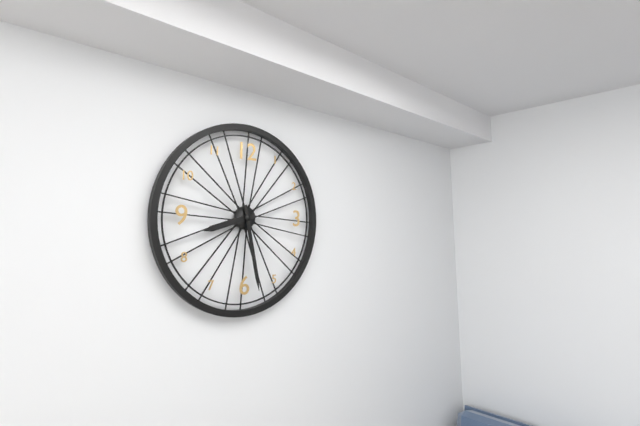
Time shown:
8.28
